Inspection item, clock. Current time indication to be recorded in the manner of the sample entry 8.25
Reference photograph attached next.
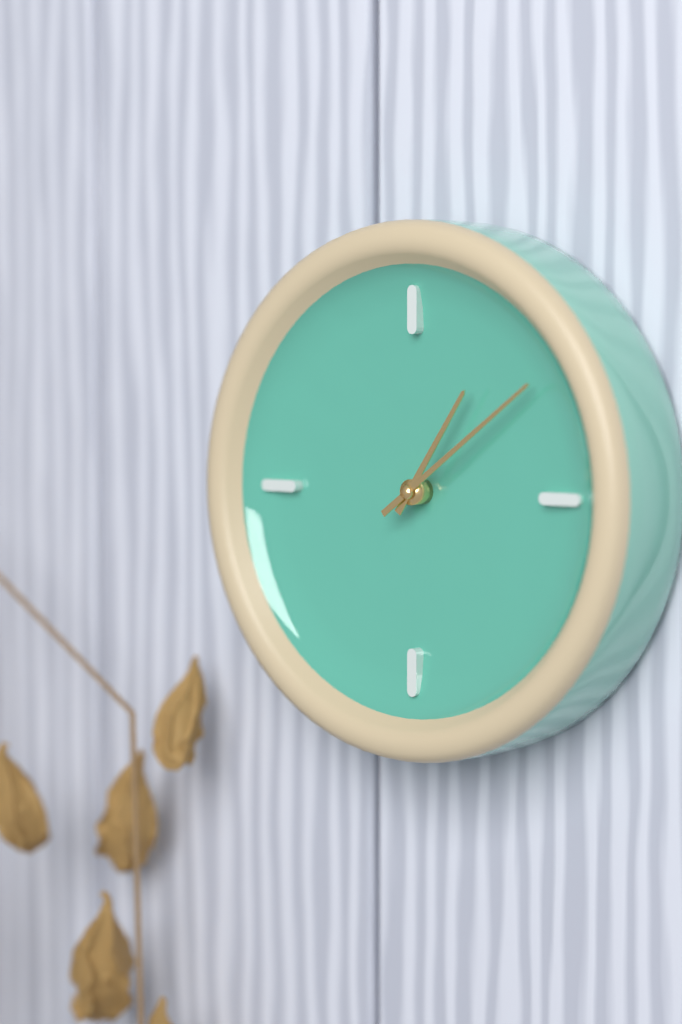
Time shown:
1.09
